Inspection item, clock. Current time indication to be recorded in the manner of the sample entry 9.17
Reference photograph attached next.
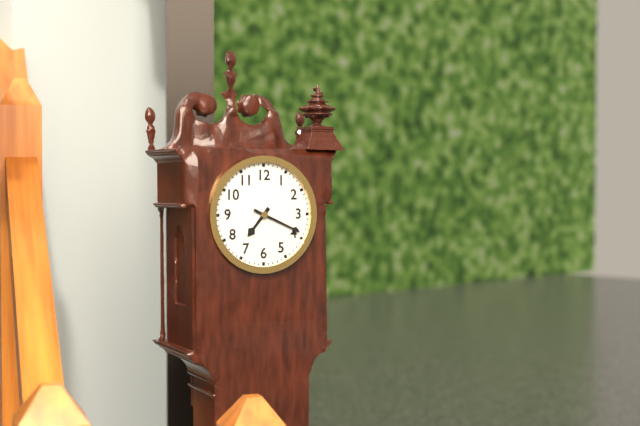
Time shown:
7.19
